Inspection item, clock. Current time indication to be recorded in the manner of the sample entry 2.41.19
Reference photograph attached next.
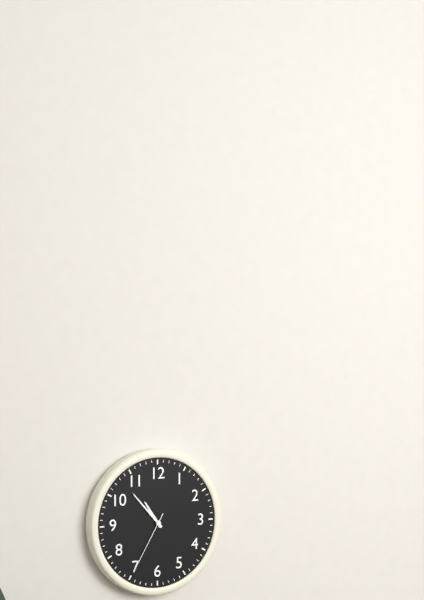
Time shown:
10.53.35
